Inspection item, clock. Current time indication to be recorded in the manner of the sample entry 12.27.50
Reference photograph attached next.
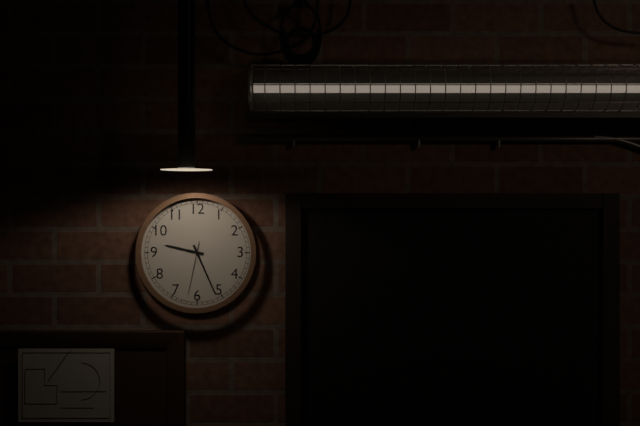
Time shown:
9.26.32
